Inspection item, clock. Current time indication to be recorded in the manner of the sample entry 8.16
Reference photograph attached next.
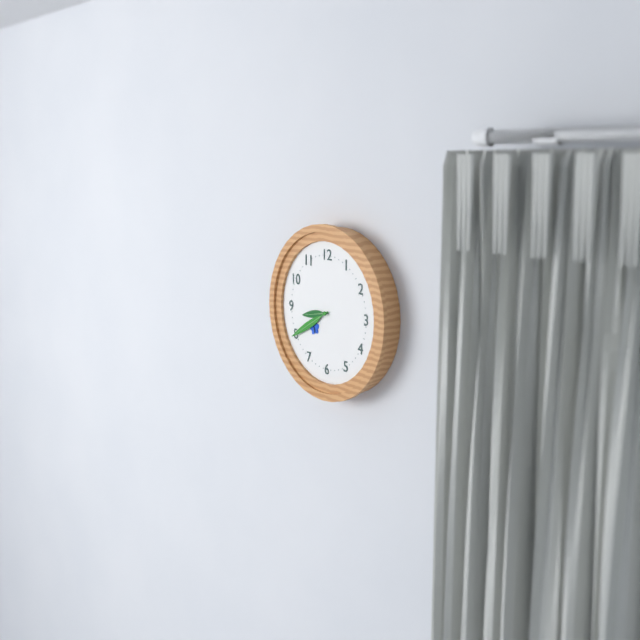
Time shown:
8.40
